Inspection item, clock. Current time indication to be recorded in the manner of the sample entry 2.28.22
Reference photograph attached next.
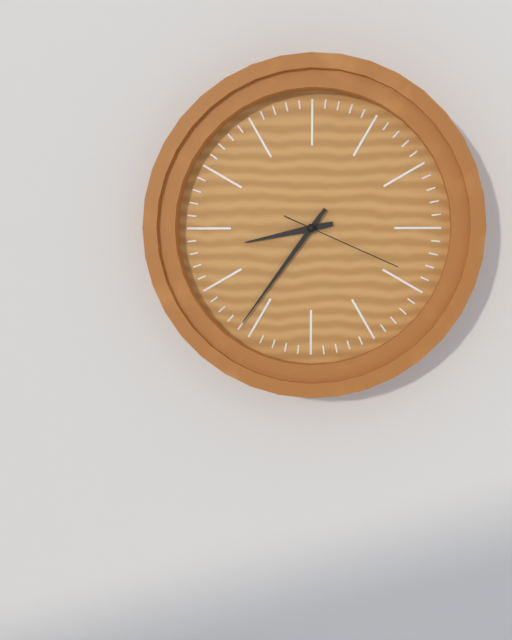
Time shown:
8.36.19
